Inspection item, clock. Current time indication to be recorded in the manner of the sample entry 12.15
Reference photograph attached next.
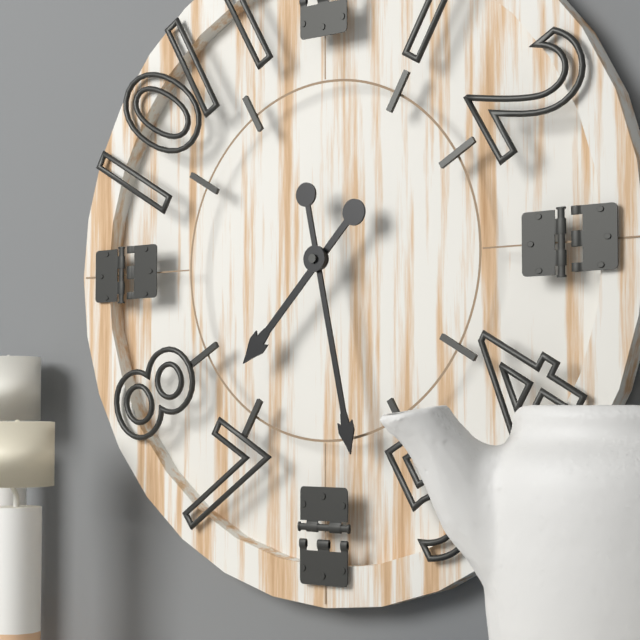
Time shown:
7.28
